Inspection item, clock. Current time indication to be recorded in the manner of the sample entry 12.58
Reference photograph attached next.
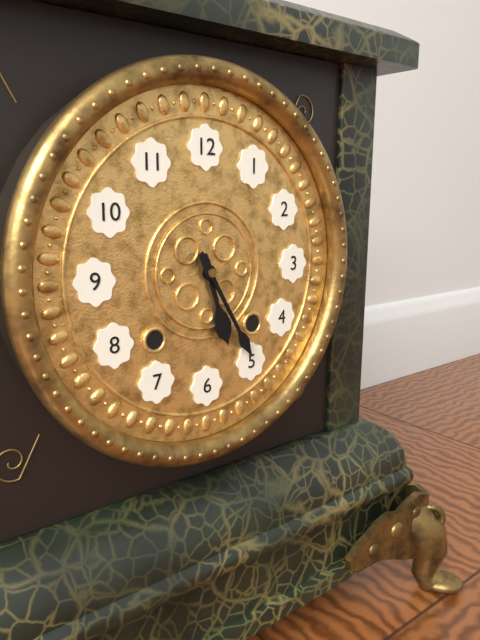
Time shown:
5.25
